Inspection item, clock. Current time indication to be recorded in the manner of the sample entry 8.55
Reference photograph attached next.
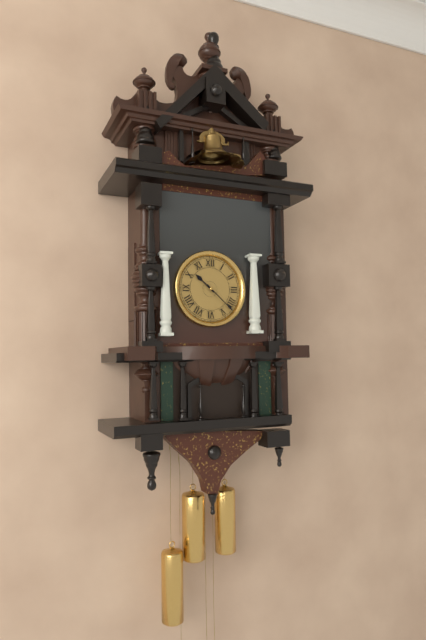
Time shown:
10.22
